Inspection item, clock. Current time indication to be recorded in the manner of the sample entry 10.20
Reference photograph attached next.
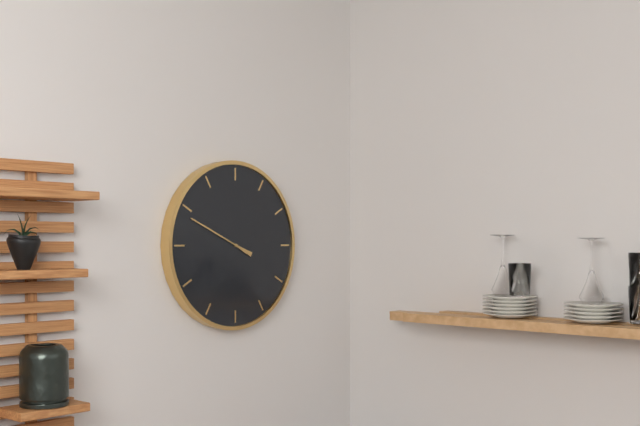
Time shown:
9.49
